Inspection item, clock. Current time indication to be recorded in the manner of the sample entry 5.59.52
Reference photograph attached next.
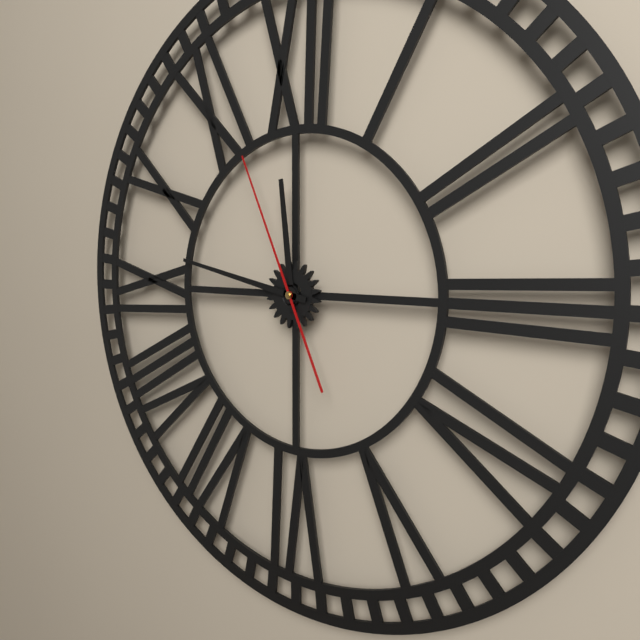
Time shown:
11.47.56
